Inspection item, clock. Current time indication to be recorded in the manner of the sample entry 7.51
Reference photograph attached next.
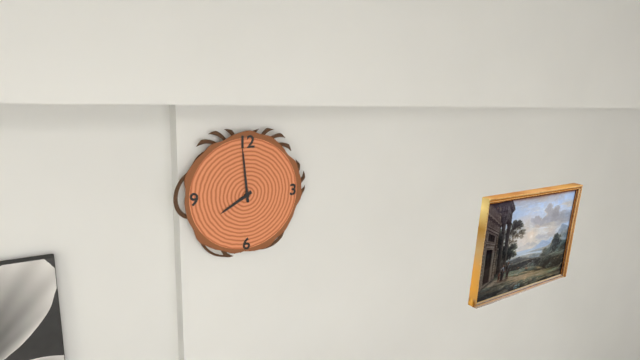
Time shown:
7.59
